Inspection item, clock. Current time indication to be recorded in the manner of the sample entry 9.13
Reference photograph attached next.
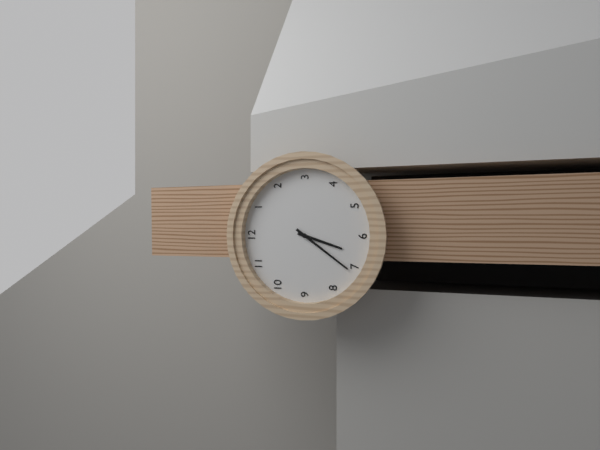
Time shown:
6.36
